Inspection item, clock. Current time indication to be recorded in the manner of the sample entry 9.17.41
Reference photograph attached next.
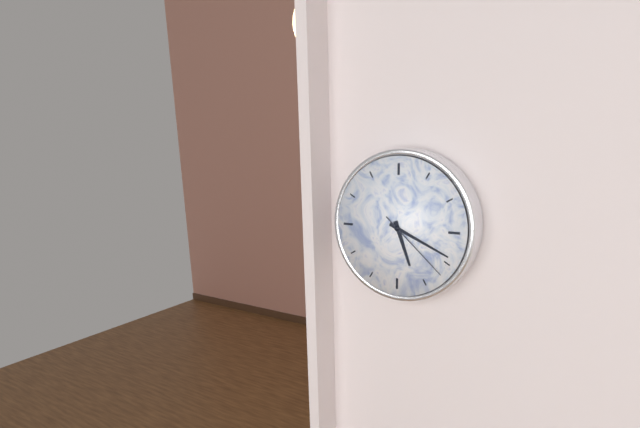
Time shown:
5.19.22
